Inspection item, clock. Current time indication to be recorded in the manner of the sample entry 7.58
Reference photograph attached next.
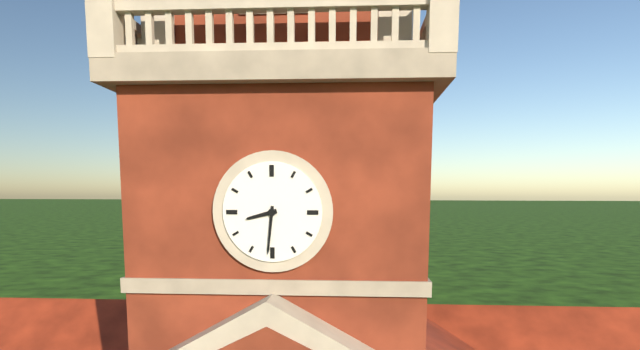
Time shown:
8.31
